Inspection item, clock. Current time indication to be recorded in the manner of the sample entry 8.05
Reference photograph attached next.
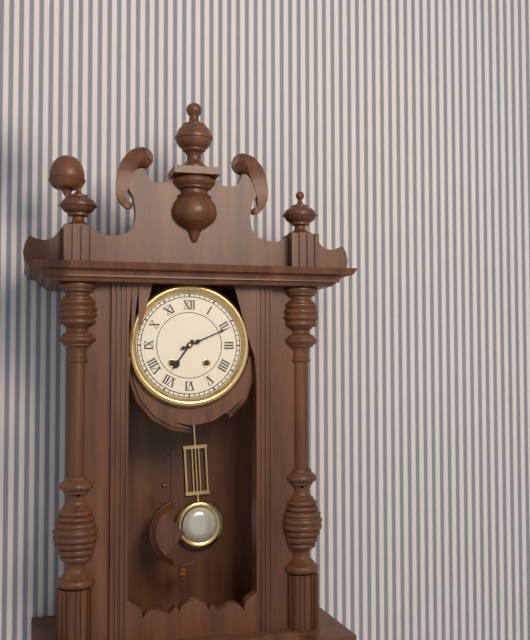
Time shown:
7.11
